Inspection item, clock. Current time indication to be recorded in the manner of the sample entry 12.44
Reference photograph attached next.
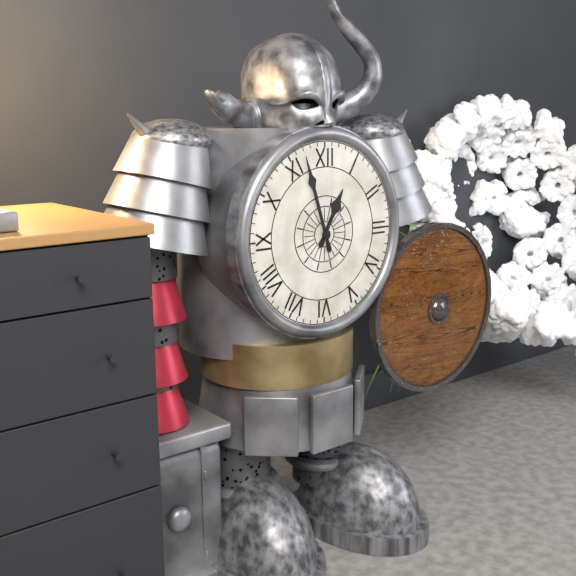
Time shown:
12.57
